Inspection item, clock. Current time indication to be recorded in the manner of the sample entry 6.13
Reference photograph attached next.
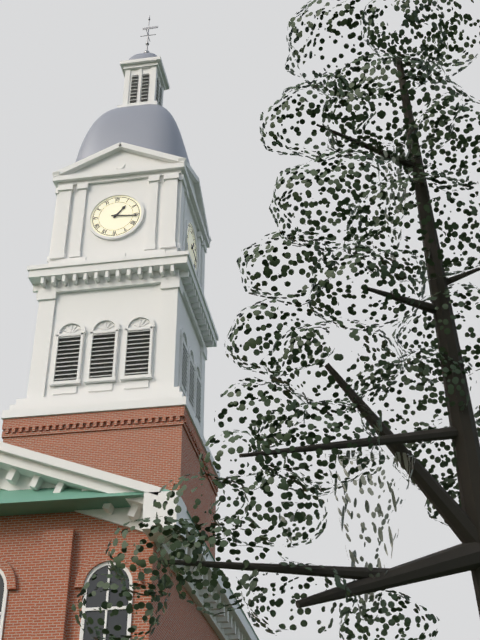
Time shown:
1.16
